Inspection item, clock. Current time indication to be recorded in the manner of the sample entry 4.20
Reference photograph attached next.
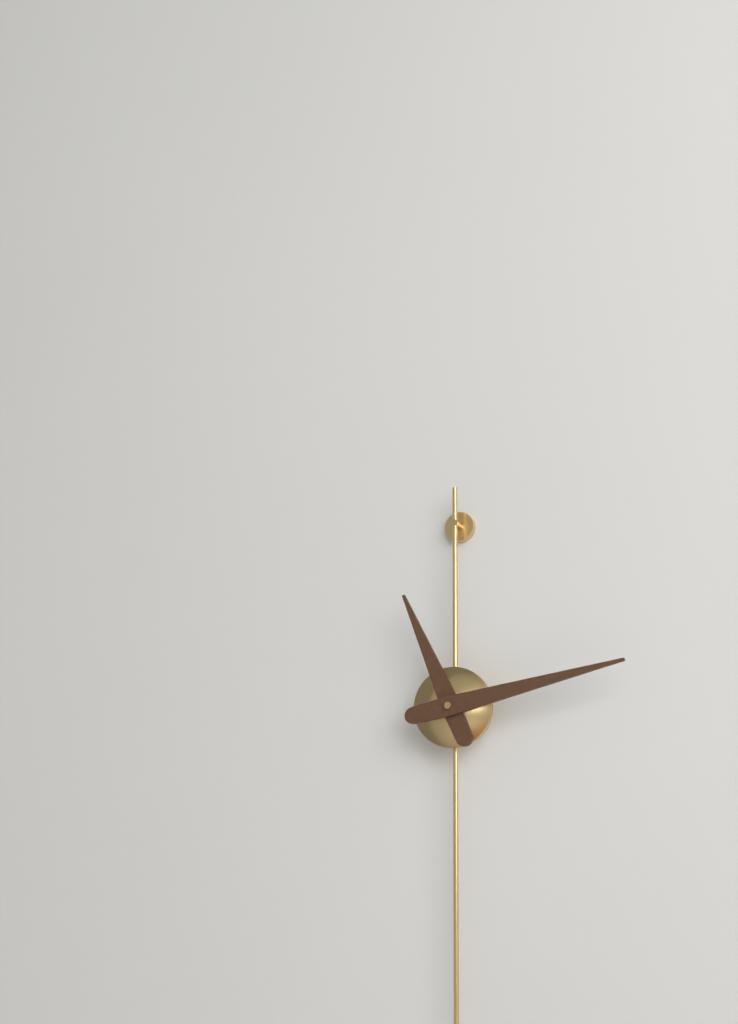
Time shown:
11.13
